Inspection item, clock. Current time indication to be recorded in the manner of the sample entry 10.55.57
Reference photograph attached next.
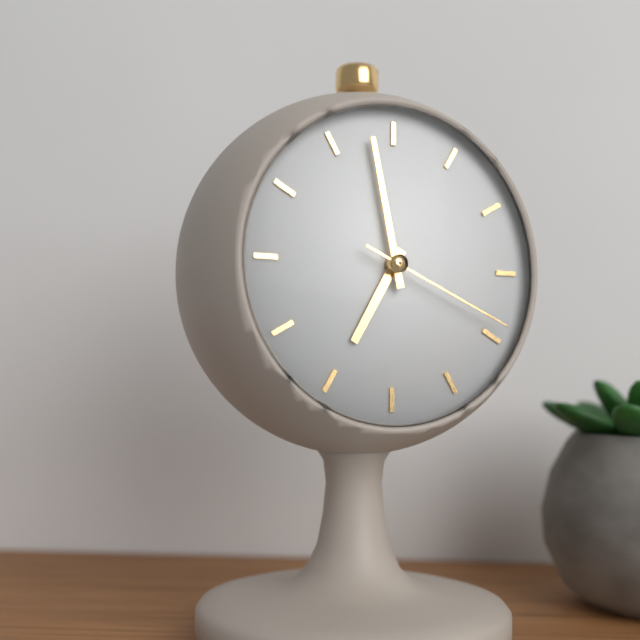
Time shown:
6.58.19
